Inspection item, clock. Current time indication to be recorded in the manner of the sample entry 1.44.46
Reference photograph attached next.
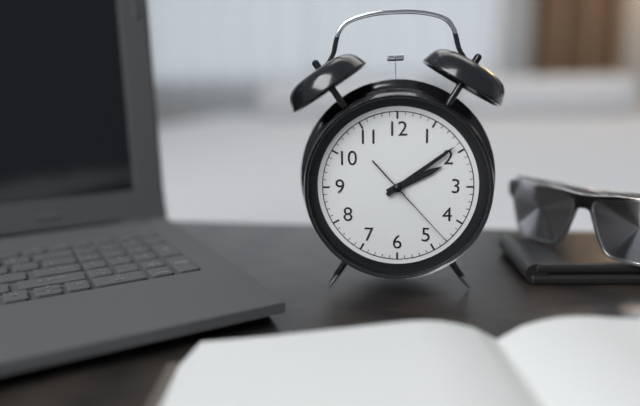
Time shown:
2.09.23
